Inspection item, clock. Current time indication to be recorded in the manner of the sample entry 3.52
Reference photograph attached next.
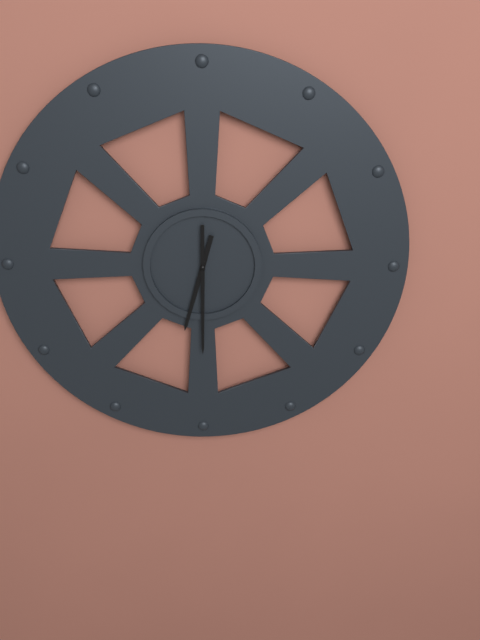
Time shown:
6.30
